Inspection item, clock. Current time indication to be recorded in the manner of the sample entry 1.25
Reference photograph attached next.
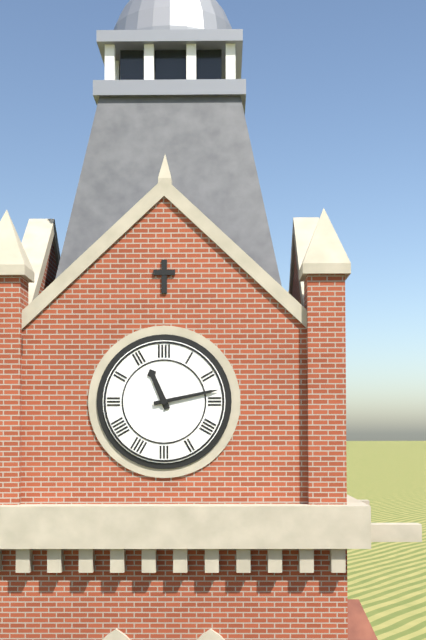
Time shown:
11.13
